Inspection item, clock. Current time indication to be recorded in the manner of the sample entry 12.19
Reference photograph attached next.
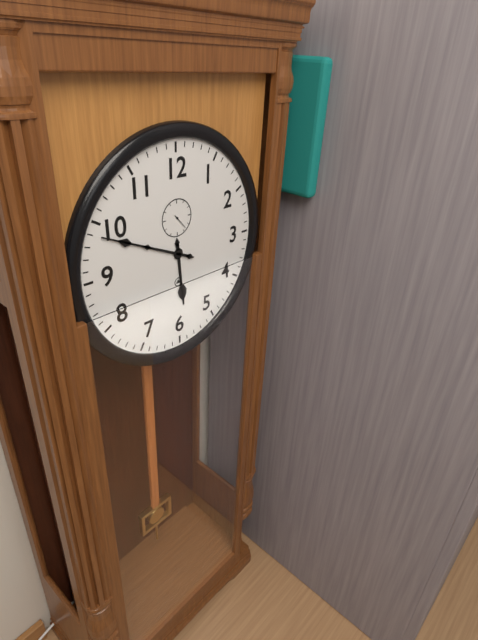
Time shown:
5.49
